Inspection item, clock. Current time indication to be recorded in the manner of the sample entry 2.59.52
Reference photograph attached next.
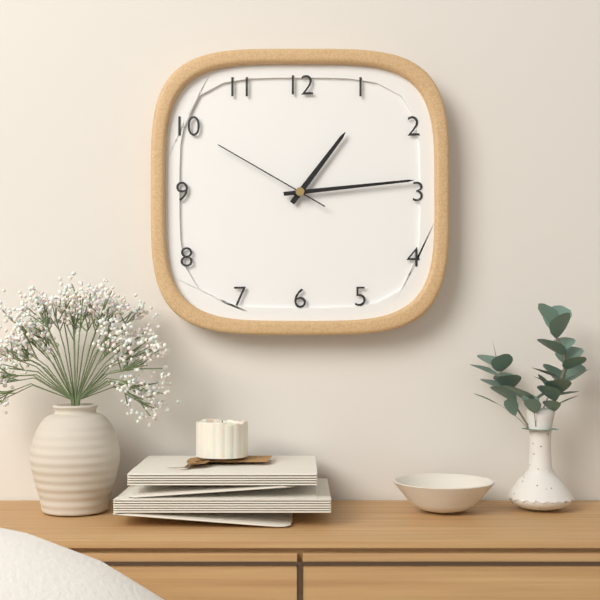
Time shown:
1.14.50
